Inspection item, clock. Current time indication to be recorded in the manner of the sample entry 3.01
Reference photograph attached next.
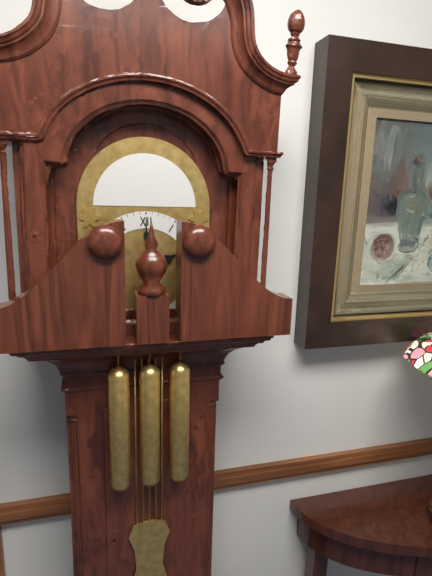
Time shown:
2.00
